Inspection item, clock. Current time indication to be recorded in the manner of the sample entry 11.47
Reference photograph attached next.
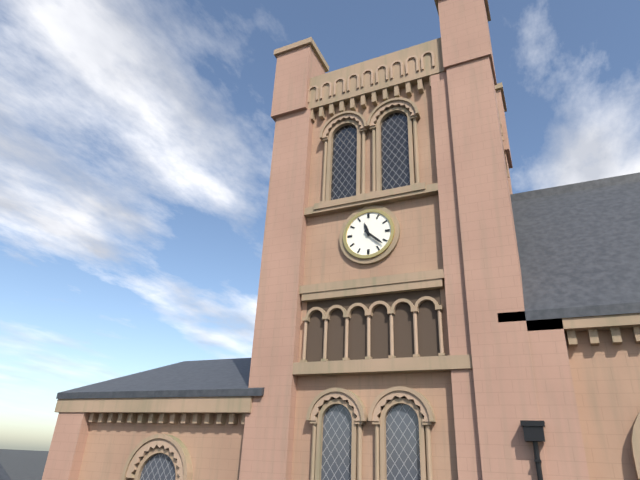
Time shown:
11.22
